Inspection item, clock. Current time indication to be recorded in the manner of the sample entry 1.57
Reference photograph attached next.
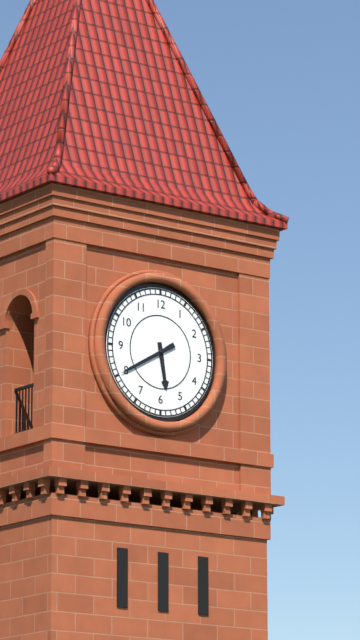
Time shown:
5.40
